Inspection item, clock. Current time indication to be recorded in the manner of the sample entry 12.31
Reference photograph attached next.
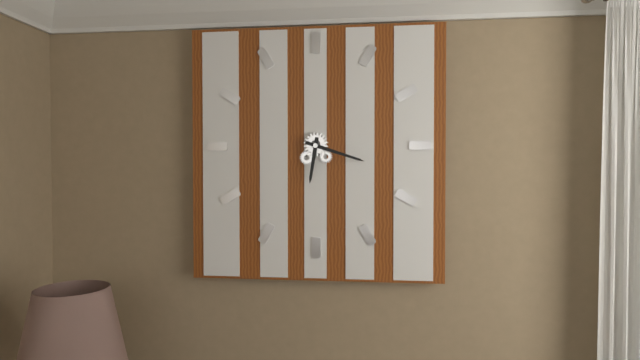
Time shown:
6.18
